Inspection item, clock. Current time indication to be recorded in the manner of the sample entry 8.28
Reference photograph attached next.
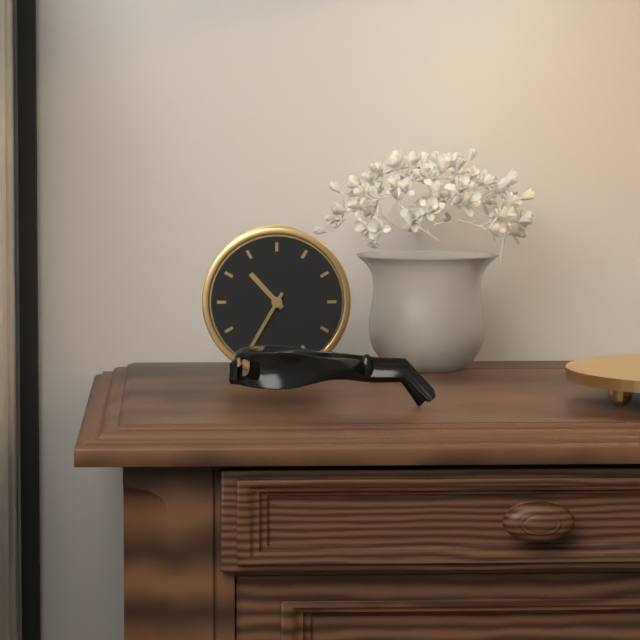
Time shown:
10.35
